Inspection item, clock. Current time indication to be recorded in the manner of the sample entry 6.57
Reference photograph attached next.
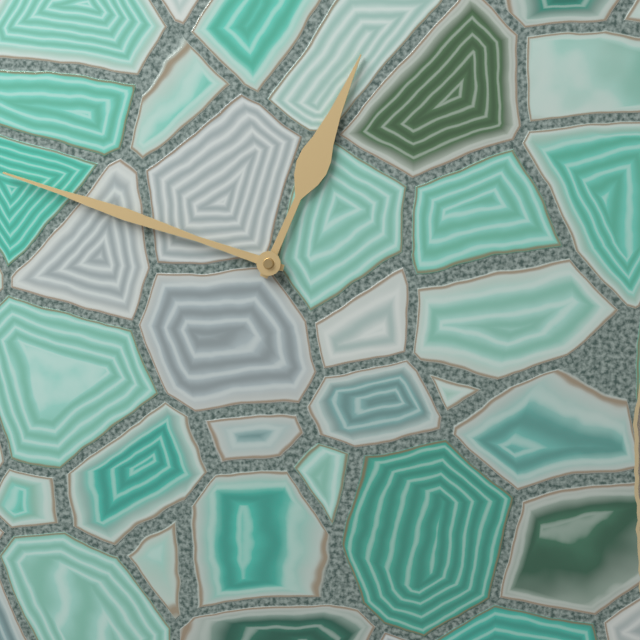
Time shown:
12.48
